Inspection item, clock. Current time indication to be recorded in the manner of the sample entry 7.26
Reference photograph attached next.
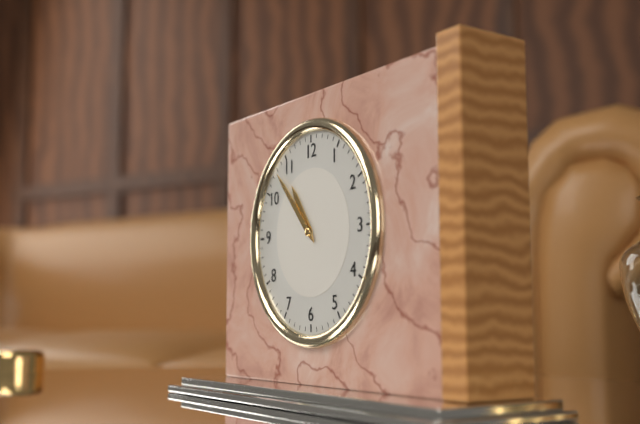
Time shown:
10.53
